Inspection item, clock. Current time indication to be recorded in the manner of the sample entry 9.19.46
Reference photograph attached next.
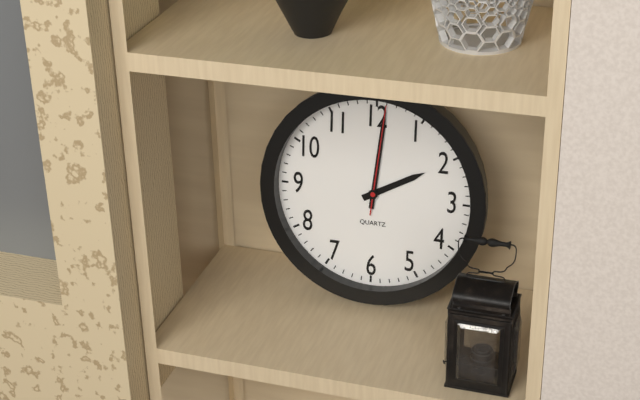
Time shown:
2.01.01
